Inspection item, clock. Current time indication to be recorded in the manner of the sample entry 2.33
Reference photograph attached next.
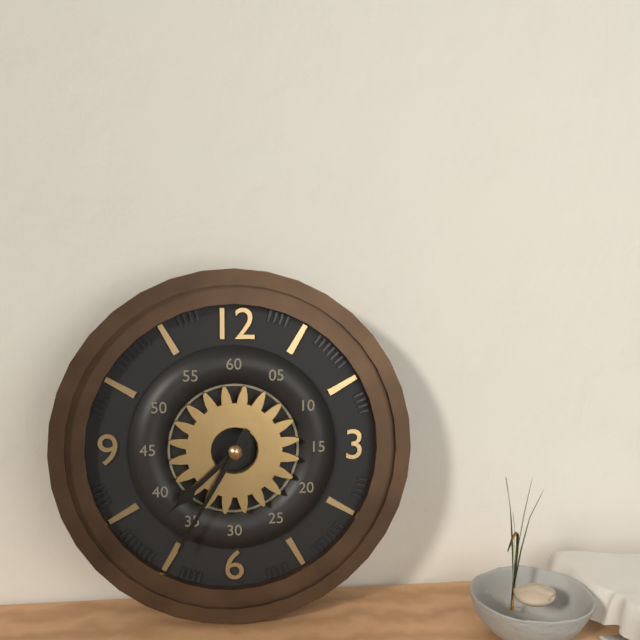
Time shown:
7.35
